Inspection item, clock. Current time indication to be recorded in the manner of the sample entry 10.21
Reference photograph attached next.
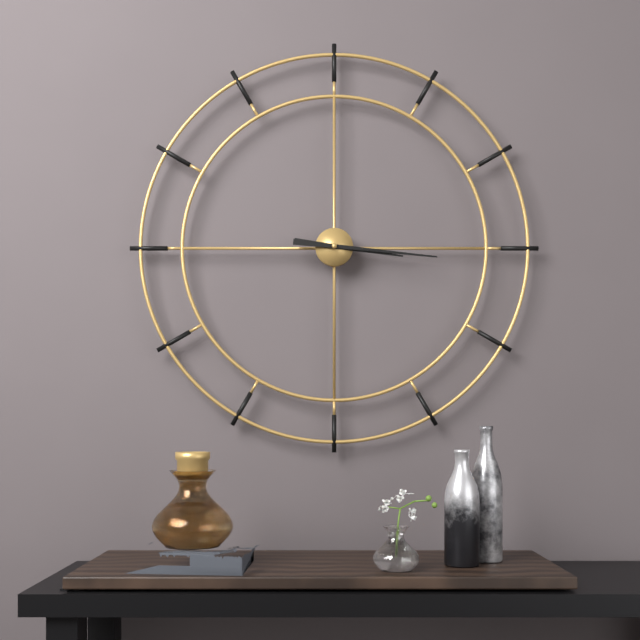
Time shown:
3.16
